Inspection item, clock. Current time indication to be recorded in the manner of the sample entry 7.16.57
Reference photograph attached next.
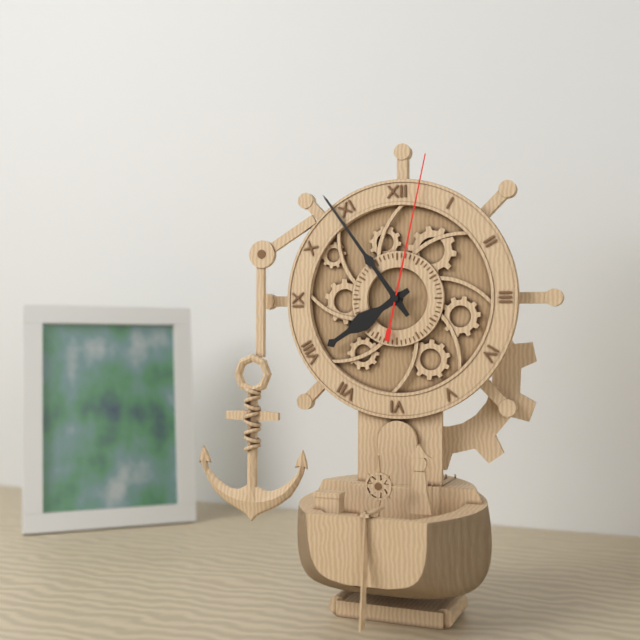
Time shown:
7.54.02
